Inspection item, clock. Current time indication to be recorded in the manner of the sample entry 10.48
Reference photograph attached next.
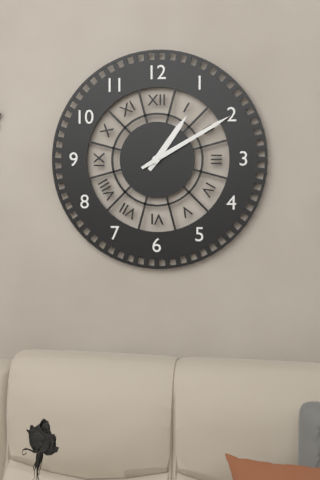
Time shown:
1.10
